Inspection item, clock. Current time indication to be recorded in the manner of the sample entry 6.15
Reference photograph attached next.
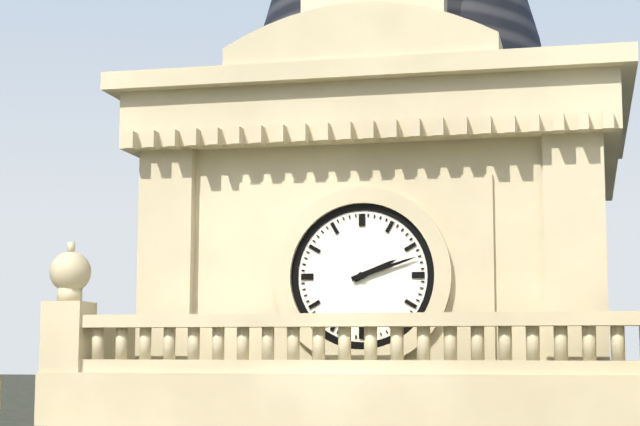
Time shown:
2.12
